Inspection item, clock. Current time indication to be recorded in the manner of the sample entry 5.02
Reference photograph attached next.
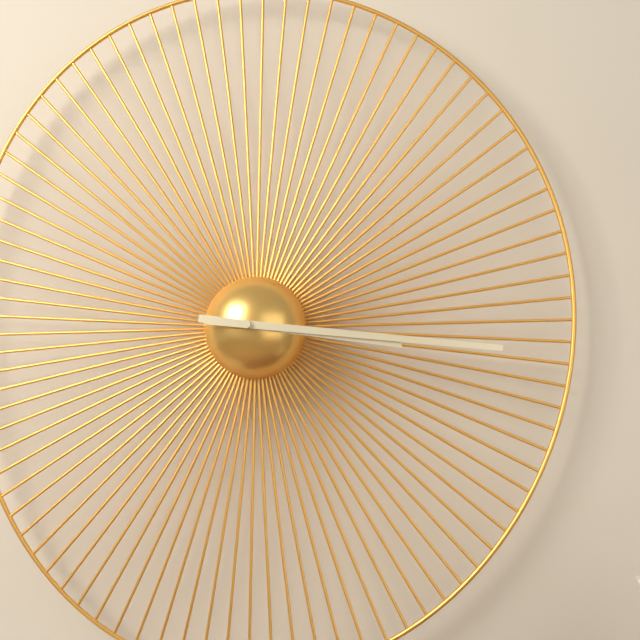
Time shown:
3.16
